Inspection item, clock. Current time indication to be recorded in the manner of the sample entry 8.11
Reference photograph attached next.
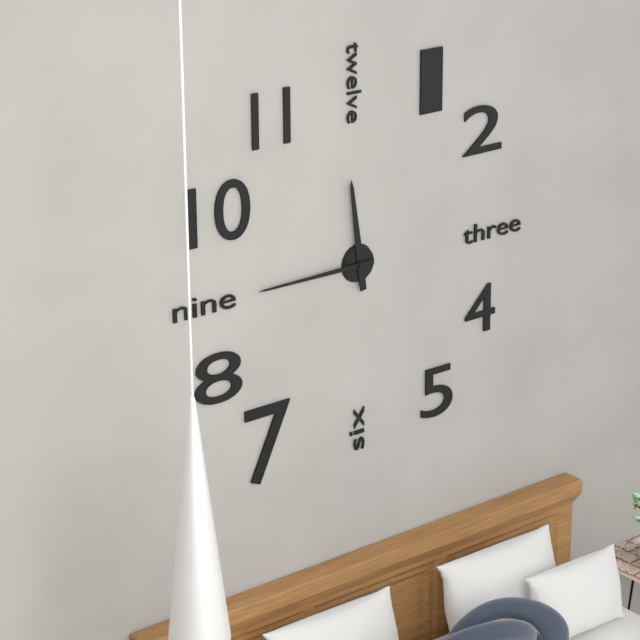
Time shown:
11.45
